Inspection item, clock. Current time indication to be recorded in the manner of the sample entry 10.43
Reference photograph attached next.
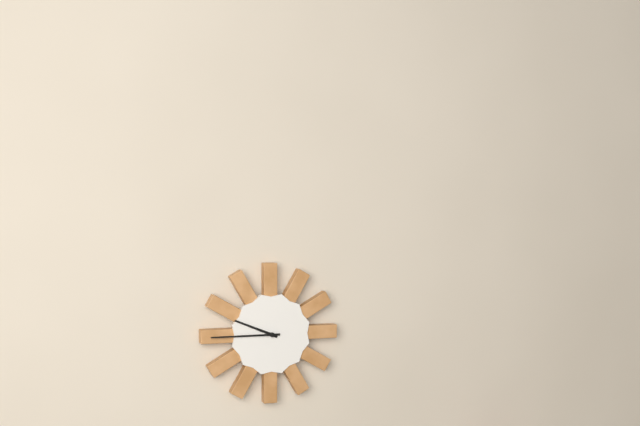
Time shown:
9.45
